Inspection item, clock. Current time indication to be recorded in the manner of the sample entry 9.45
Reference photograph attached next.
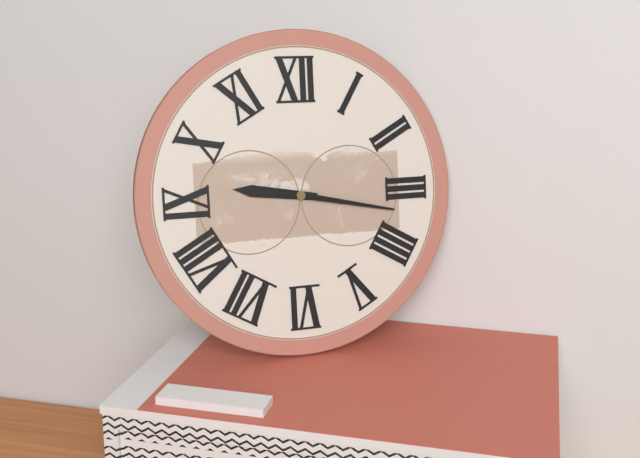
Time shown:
9.17
